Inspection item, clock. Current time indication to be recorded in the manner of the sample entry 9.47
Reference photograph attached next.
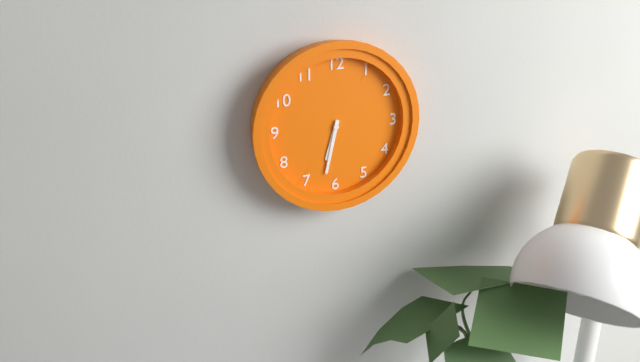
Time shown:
6.32
